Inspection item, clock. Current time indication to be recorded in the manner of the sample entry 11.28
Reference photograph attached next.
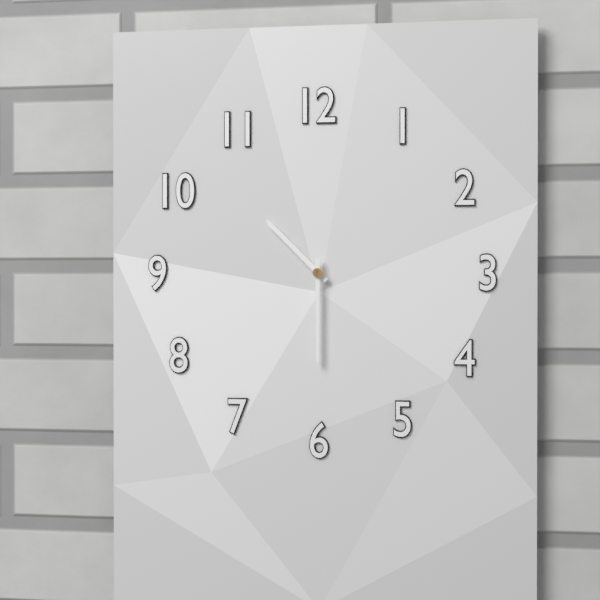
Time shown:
10.30
